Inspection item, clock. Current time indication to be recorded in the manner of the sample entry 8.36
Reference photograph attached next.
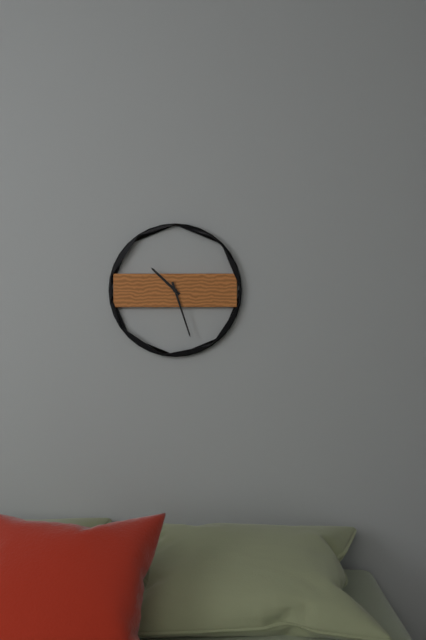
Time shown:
10.27
